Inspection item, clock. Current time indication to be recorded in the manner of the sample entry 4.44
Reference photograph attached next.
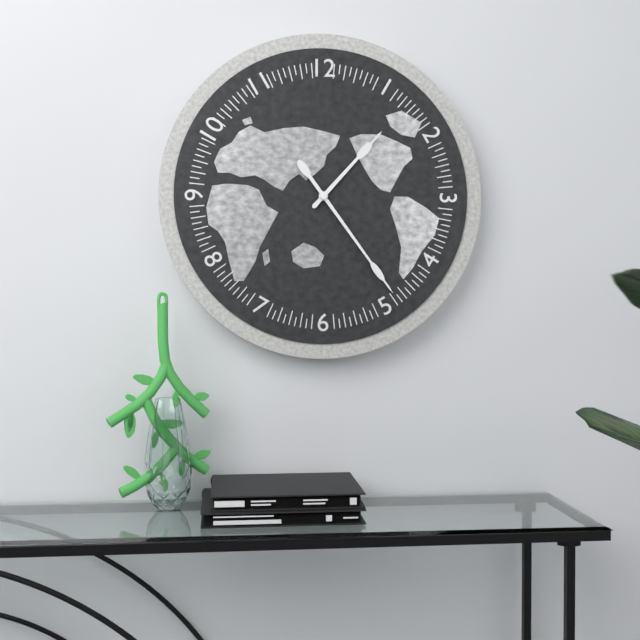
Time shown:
1.24
